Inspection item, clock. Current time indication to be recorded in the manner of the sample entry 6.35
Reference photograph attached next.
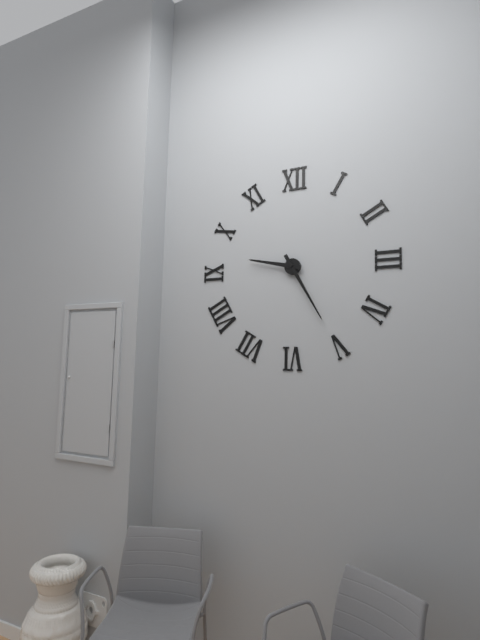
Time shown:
9.25
